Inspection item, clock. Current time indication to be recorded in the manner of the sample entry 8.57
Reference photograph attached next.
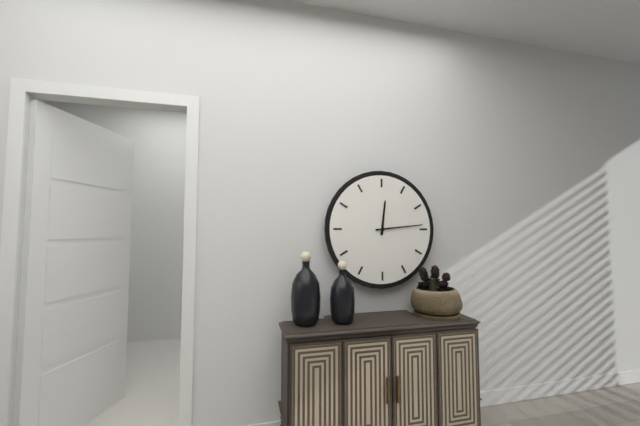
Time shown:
12.14
